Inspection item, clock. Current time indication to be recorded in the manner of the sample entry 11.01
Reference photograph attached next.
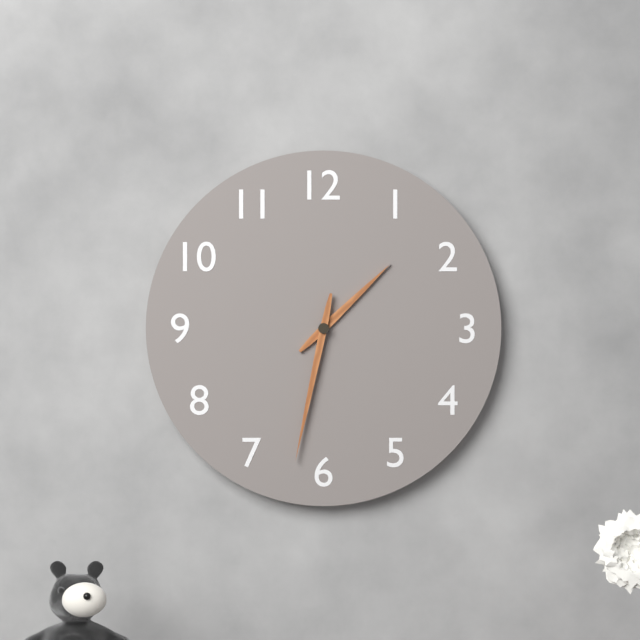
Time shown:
1.32
